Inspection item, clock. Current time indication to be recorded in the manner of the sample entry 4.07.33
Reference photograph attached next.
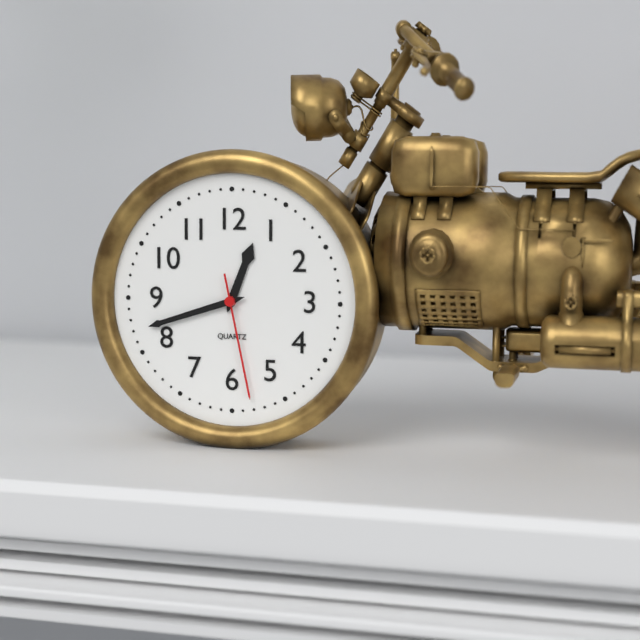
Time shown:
12.42.28
